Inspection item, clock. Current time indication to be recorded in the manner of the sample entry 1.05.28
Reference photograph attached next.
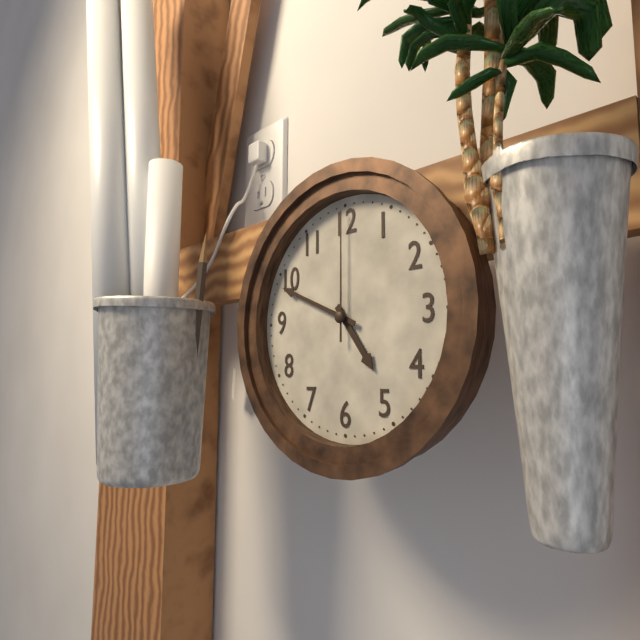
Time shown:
4.49.00
